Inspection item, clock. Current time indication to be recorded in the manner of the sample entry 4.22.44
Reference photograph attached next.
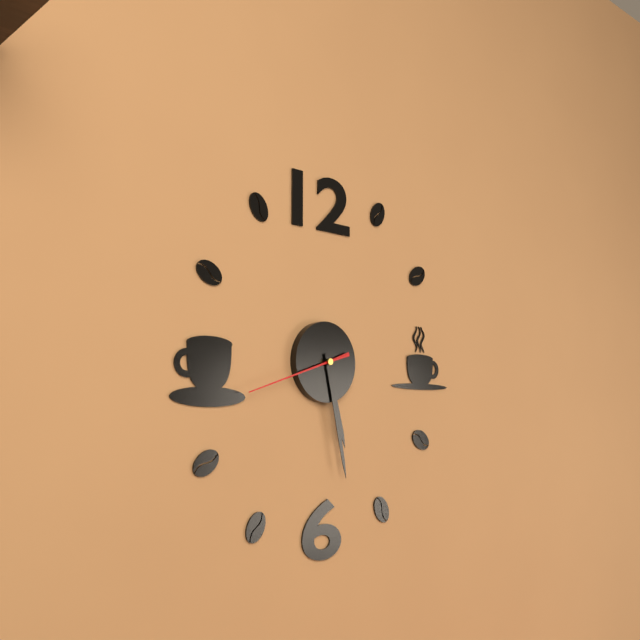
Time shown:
5.28.42
